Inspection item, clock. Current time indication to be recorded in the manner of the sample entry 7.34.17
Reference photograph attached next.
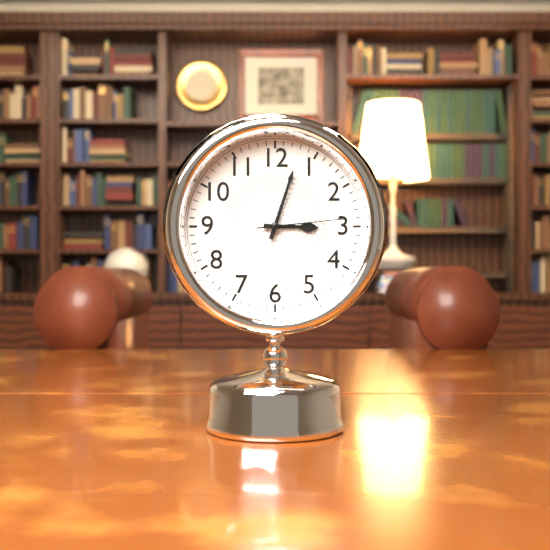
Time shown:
3.03.14
